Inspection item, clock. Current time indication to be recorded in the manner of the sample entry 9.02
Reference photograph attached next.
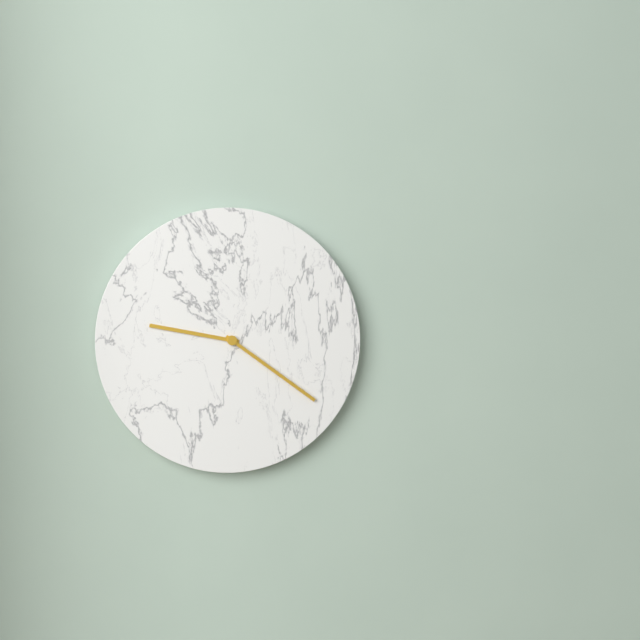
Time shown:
9.21
